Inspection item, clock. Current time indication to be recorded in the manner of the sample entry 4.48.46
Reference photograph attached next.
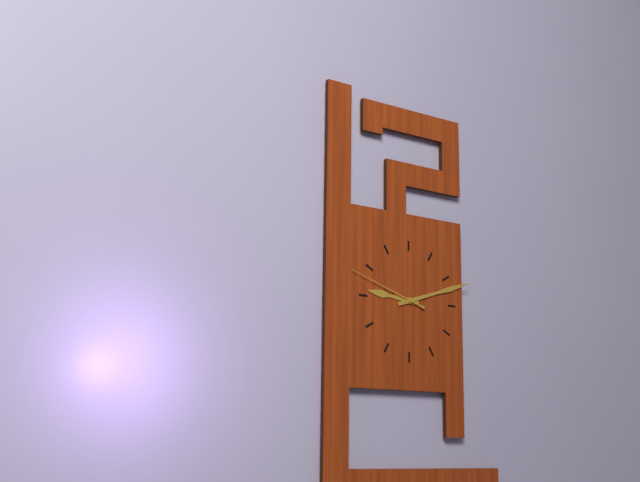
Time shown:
9.12.48
